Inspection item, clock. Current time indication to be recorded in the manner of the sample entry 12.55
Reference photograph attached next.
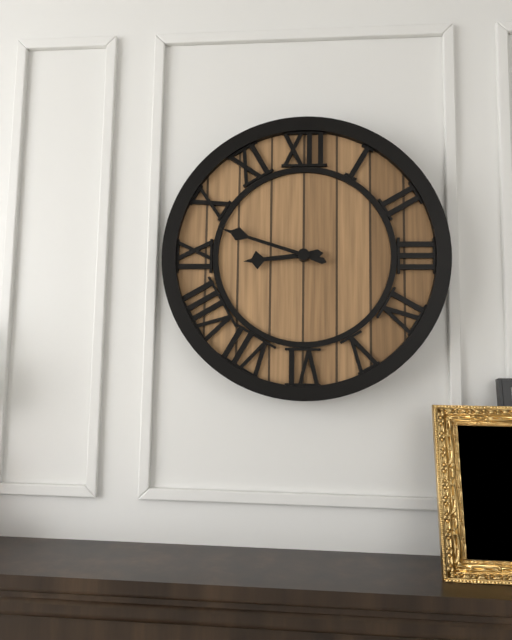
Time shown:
8.48
